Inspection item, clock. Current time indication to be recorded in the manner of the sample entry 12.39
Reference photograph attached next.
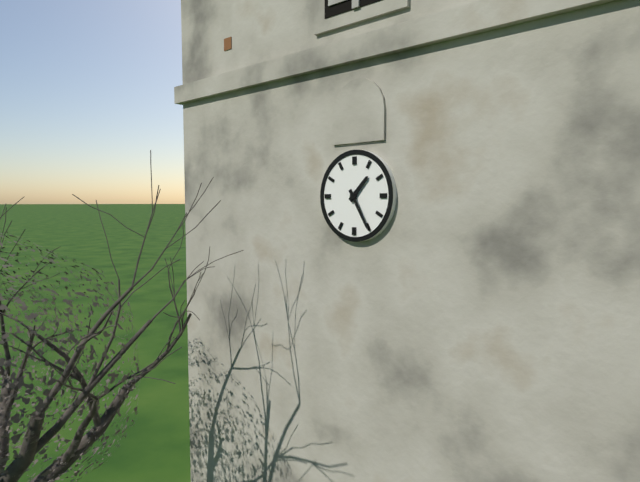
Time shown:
1.25
